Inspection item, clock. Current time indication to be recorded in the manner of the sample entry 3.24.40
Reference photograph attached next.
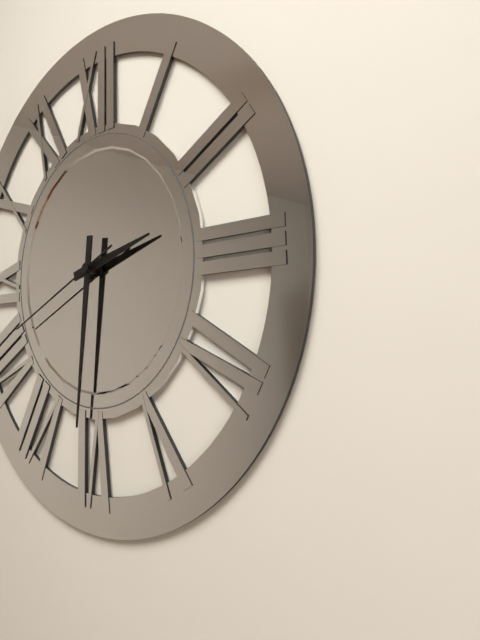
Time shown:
2.31.41
